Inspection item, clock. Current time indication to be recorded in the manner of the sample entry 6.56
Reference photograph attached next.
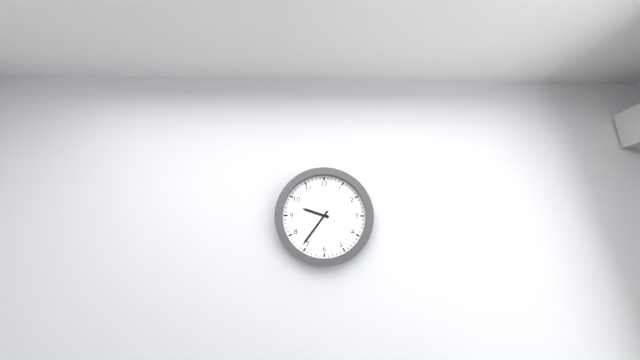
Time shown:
9.36
